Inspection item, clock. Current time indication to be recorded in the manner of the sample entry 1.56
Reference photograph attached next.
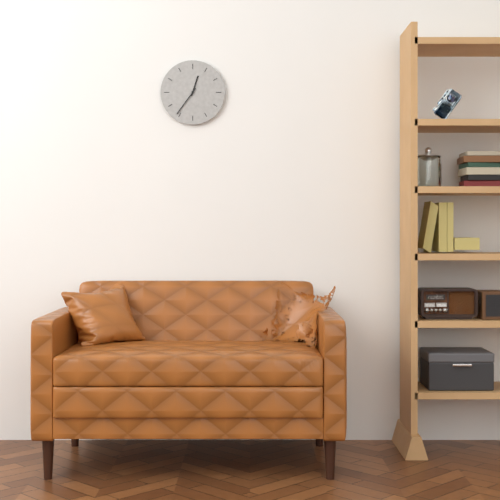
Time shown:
12.36
